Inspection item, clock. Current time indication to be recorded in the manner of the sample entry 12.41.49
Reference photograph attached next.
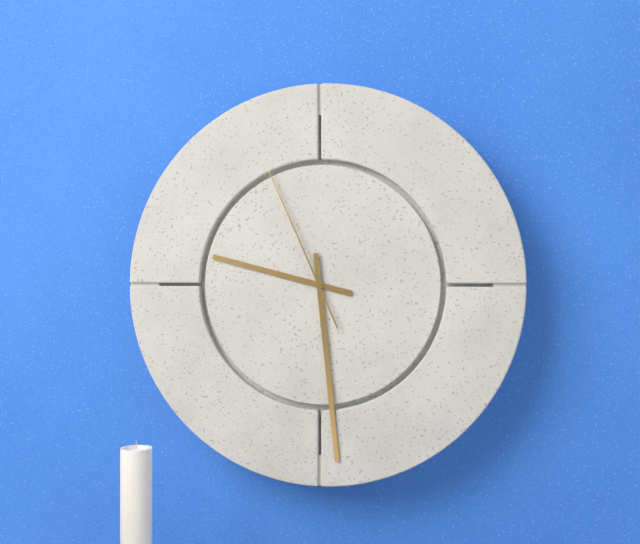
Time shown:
9.29.56
